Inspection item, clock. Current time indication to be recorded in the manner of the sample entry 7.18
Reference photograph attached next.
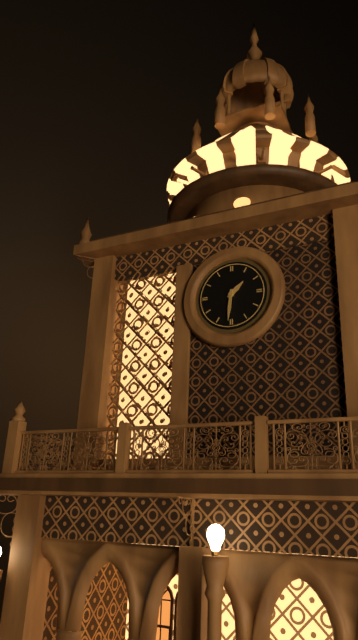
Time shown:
1.31
